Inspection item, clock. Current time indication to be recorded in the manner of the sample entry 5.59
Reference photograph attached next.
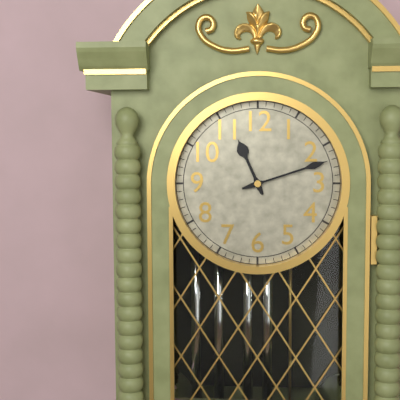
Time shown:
11.12
